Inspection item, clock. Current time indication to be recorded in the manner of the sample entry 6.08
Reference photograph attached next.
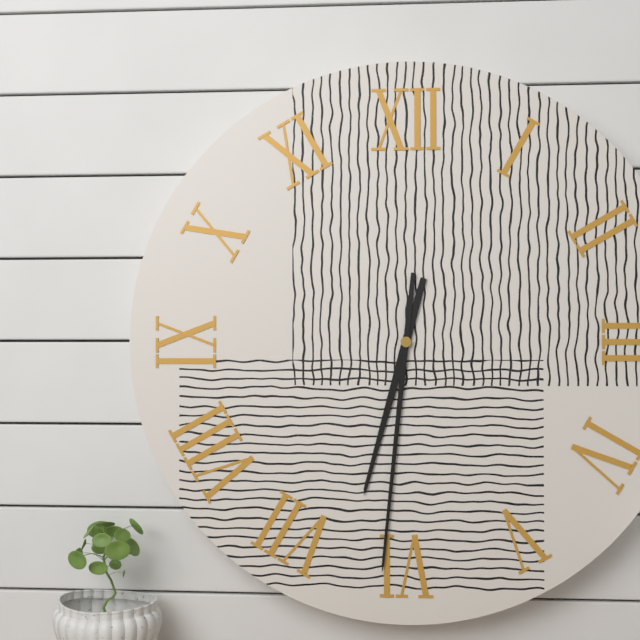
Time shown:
6.31
